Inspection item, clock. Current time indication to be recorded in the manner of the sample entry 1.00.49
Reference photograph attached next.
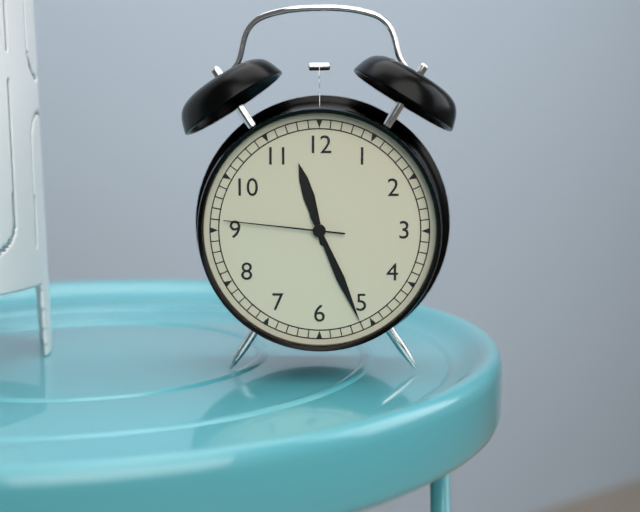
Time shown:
11.26.46
